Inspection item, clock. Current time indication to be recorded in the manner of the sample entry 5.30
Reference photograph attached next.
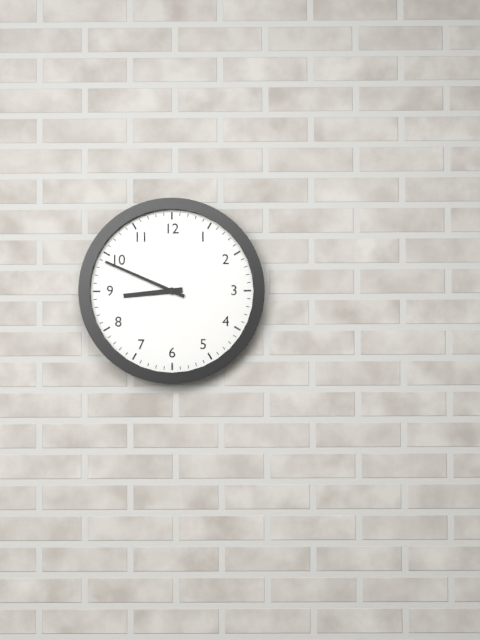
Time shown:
8.49
